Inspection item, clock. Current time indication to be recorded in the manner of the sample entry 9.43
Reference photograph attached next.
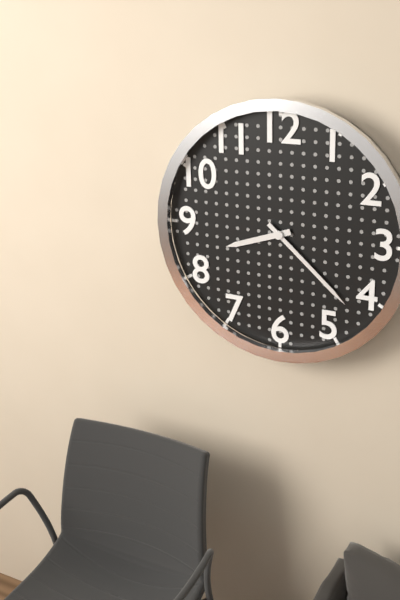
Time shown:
8.22
